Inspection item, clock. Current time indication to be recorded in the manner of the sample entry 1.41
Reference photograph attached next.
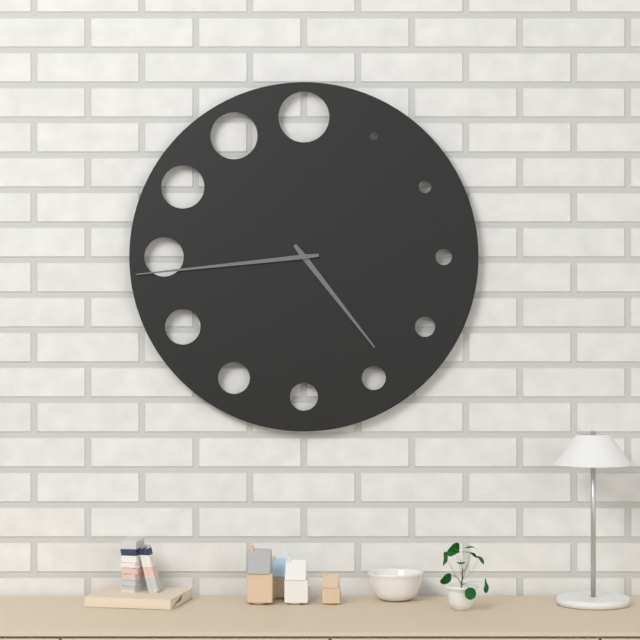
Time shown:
4.44
